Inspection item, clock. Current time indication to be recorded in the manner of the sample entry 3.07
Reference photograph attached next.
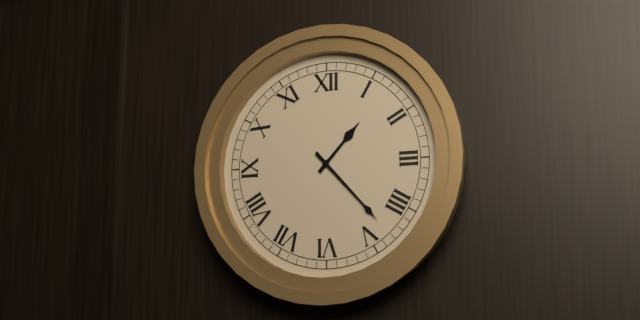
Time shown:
1.23
